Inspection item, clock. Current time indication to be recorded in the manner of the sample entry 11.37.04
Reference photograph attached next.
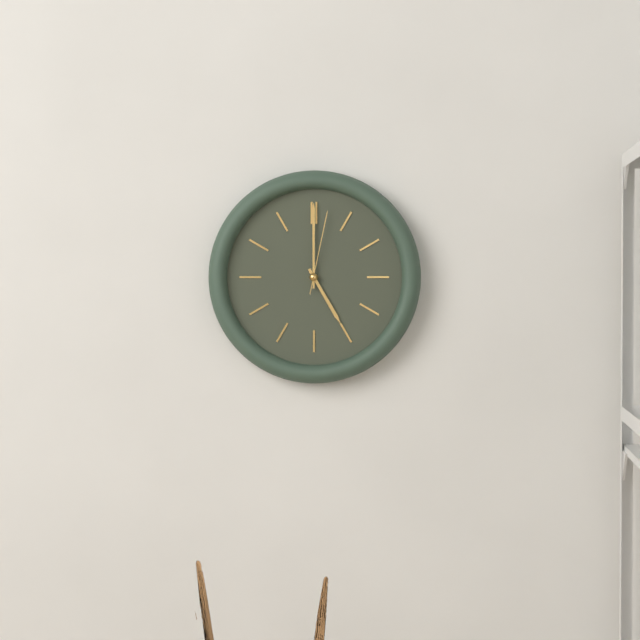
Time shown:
5.00.02
